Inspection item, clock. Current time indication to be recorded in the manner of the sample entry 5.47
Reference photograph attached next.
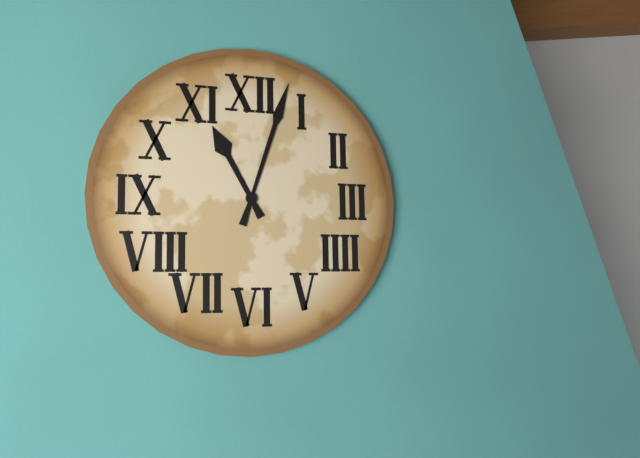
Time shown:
11.03
